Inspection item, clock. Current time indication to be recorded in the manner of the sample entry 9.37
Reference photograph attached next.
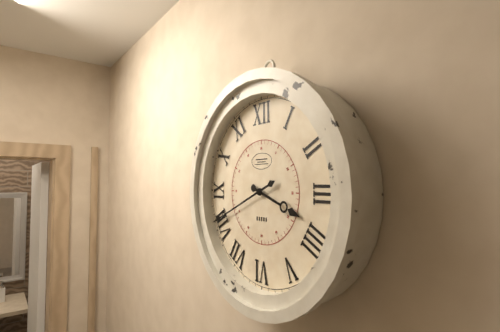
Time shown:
3.41
